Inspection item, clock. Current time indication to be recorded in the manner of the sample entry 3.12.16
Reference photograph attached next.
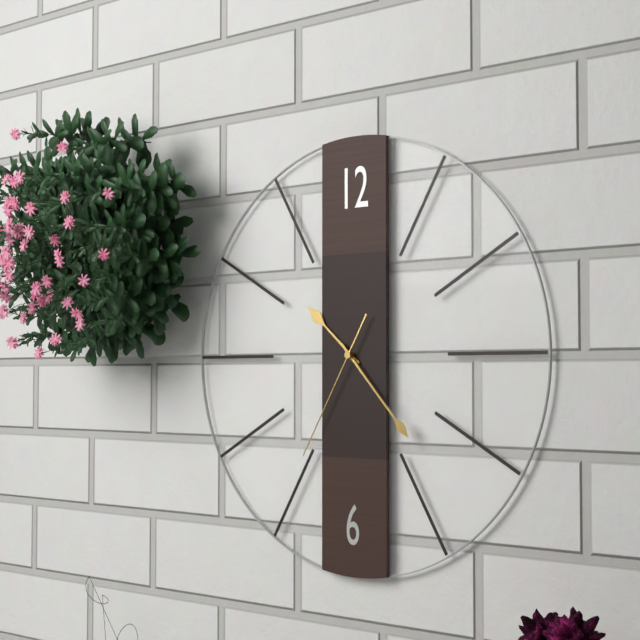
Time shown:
10.23.35
